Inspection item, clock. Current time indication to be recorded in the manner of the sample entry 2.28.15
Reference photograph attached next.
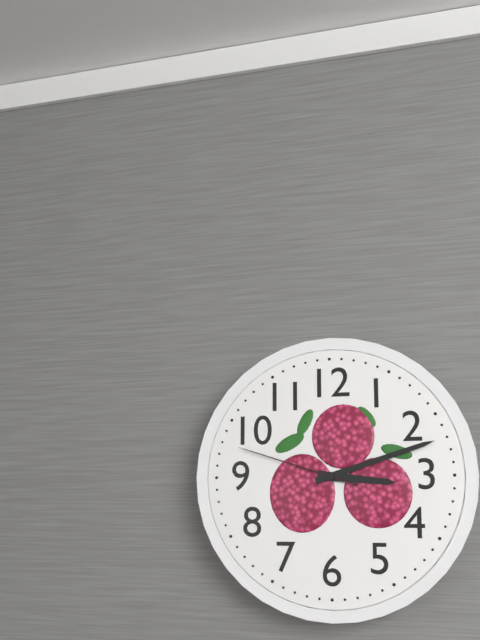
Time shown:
3.12.48
